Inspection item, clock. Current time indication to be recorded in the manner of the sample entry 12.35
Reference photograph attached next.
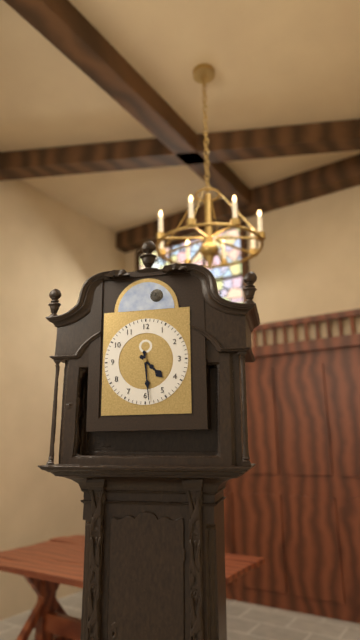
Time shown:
4.29
